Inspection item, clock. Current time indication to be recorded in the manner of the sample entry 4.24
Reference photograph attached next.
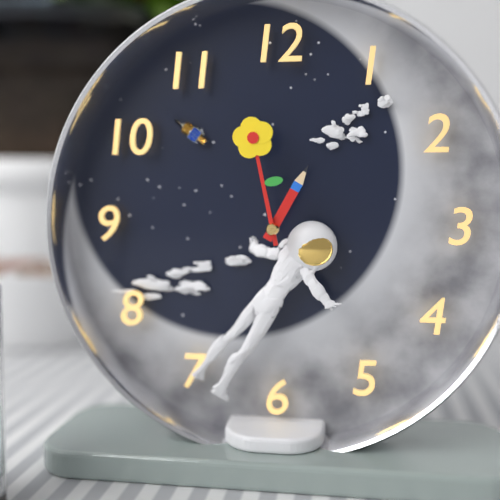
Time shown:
12.58
